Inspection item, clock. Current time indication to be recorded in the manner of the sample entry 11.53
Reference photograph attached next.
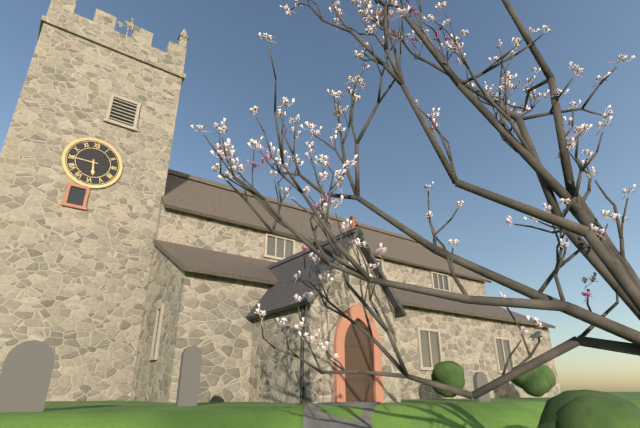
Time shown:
5.45
